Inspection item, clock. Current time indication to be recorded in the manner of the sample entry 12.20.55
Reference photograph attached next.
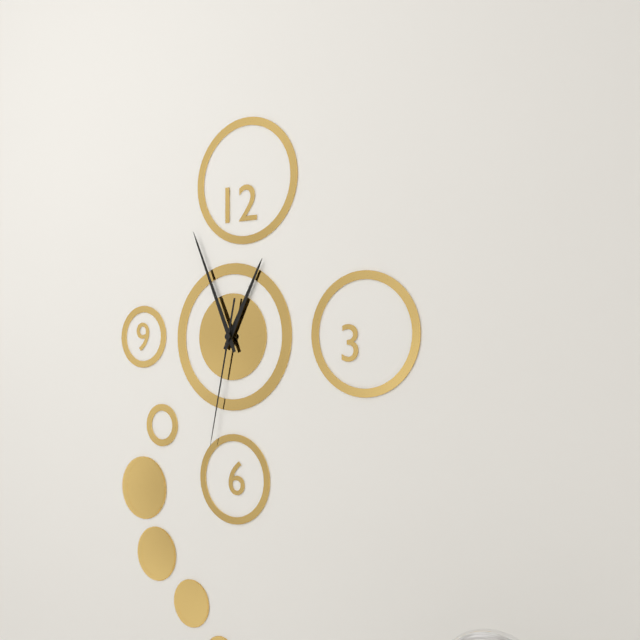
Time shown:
12.56.32
